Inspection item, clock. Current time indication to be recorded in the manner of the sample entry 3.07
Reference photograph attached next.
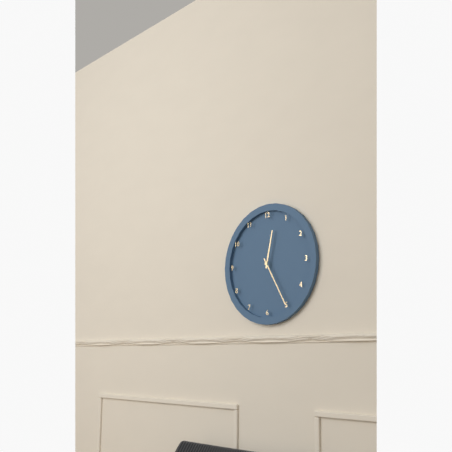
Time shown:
12.25
